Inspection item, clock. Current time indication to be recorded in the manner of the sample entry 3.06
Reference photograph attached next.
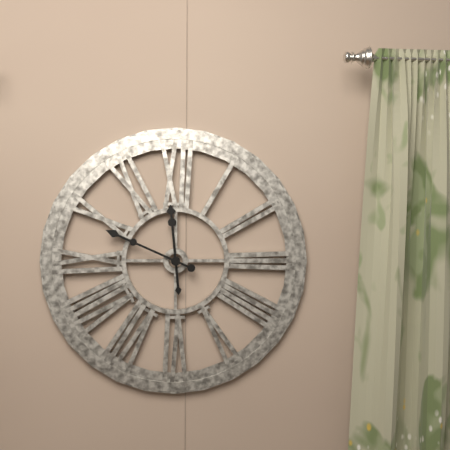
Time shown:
11.49
